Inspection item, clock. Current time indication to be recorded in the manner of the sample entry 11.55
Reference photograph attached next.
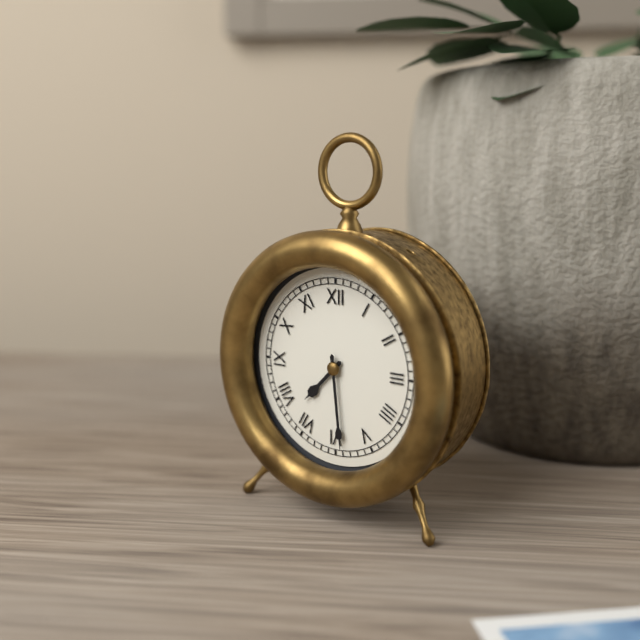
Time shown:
7.29
